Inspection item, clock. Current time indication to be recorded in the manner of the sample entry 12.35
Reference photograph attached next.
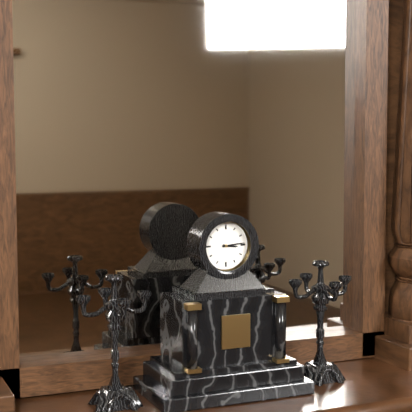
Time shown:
3.14
